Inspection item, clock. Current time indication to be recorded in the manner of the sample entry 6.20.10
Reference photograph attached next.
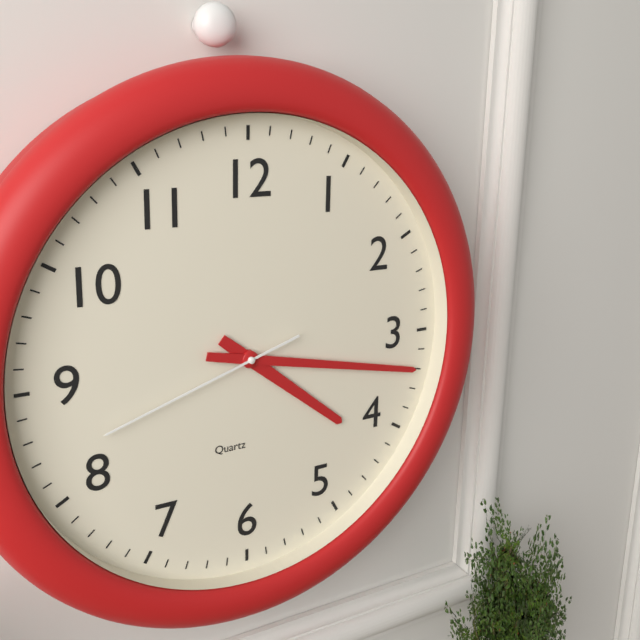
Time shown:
4.17.42
